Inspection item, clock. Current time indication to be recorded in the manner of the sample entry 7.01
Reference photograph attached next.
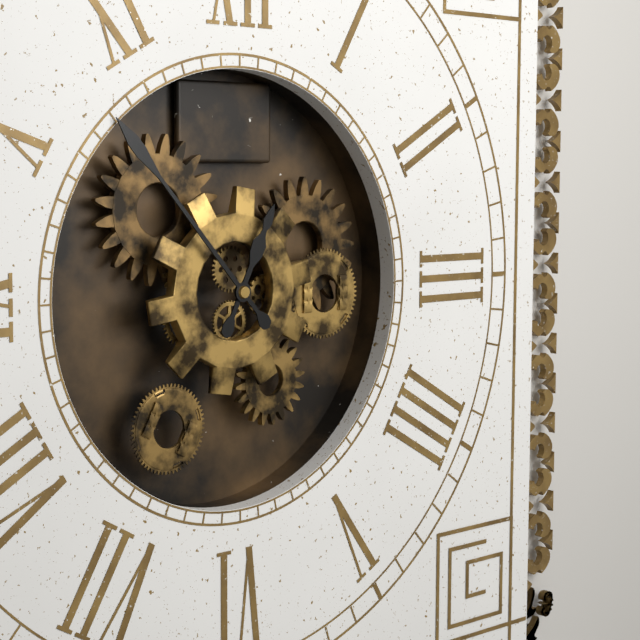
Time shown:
12.53
